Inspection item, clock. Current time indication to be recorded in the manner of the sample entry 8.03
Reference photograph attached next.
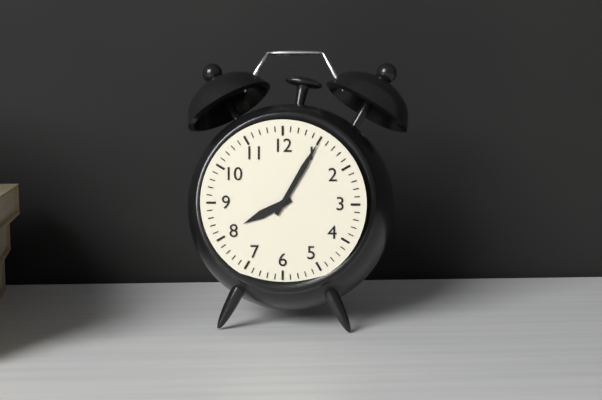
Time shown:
8.05
